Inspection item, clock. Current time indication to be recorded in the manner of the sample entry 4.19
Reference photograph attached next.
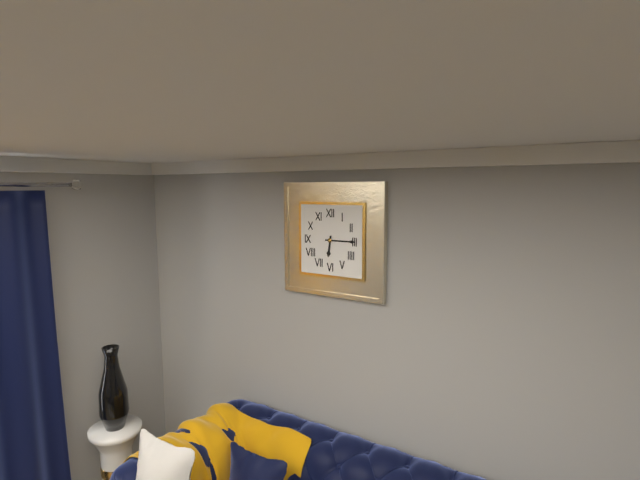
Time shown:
6.15
